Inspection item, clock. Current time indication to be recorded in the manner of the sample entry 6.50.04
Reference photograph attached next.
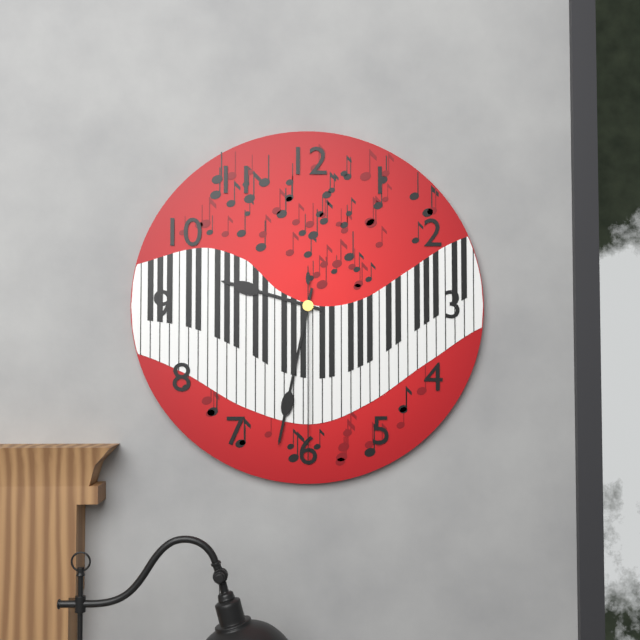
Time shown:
9.32.30
